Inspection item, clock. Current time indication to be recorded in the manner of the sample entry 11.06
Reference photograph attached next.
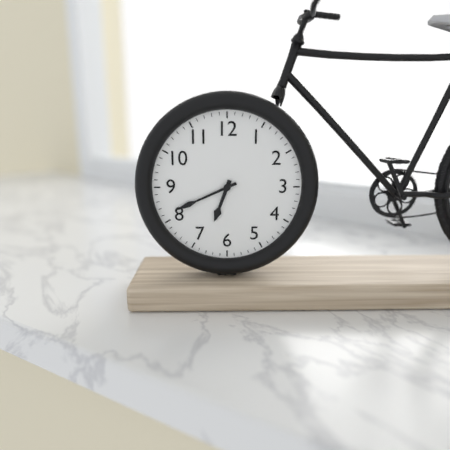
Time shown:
6.41
